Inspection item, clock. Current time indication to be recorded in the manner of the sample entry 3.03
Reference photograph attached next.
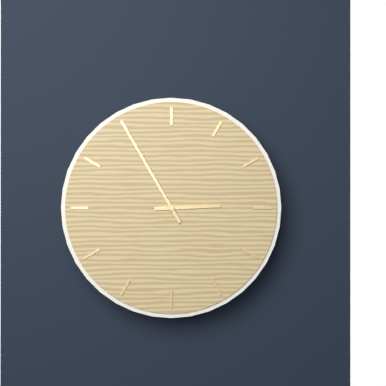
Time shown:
2.55
